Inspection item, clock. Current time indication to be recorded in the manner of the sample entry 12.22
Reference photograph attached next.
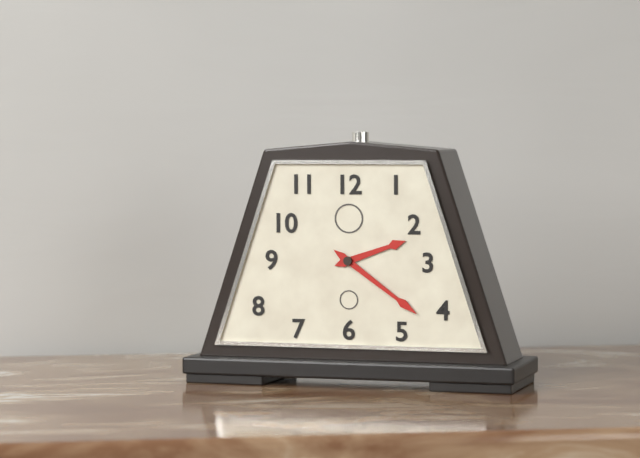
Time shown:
2.21
